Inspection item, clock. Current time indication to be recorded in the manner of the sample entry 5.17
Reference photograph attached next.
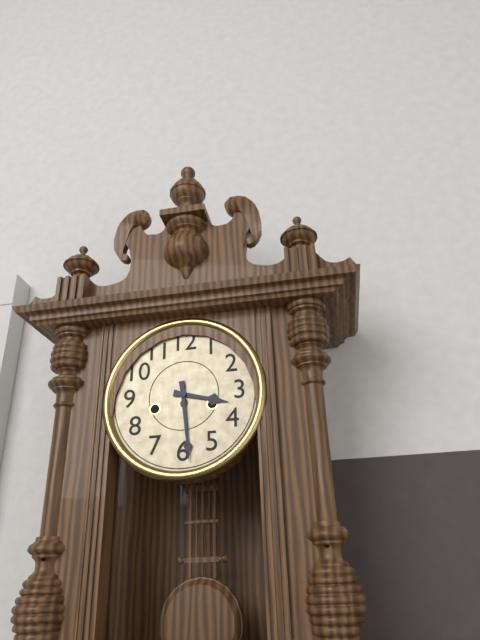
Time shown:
3.29
